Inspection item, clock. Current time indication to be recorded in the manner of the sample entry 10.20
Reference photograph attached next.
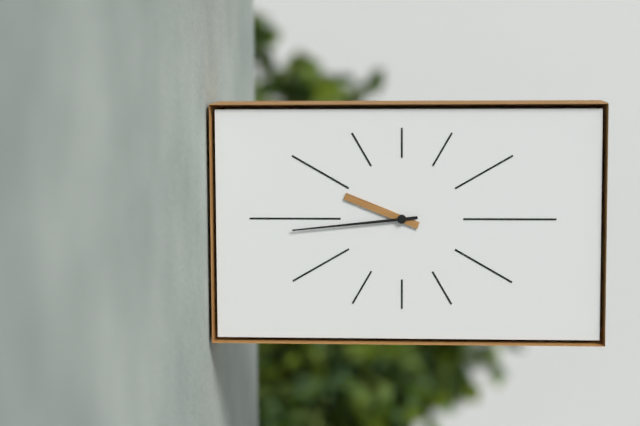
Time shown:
9.44
